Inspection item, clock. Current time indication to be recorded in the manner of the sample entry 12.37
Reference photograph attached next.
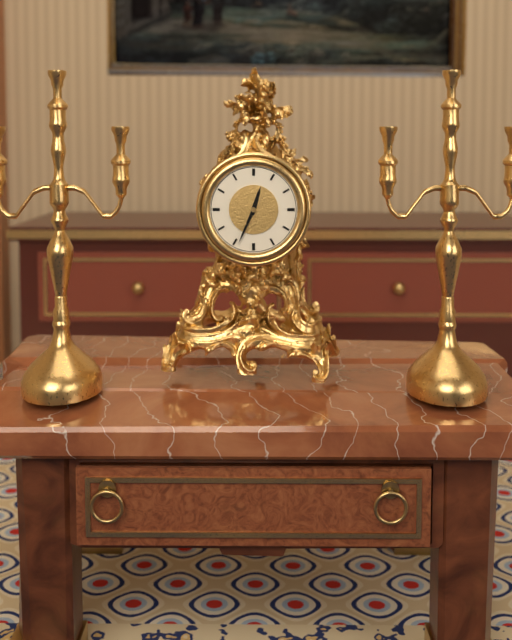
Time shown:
12.34
